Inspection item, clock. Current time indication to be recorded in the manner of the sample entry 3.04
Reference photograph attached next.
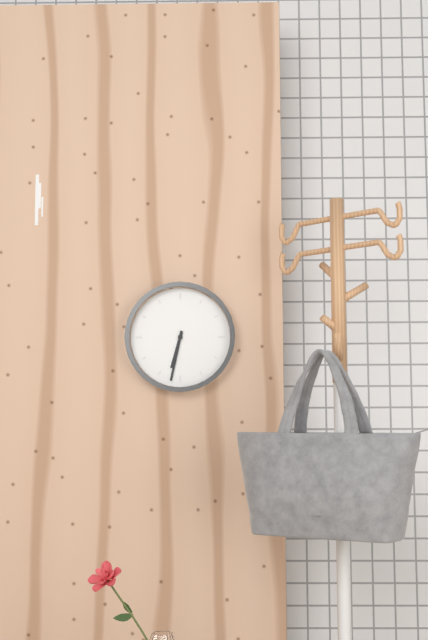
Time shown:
6.32
